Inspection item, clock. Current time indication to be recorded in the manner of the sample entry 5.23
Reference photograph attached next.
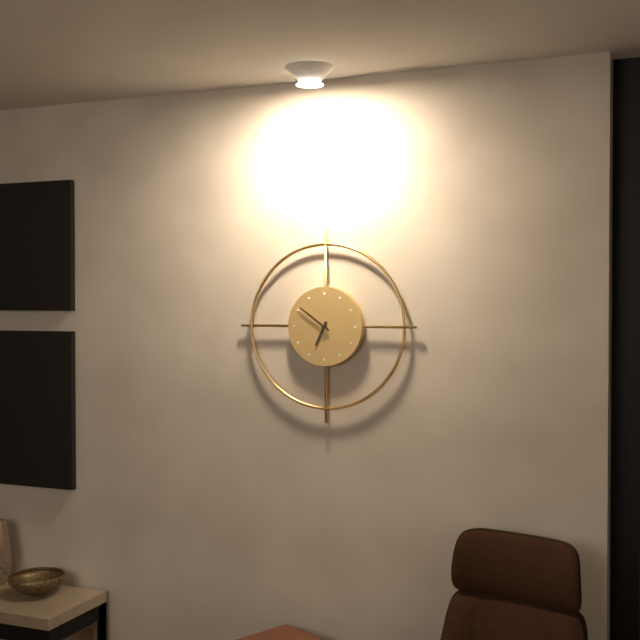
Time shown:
6.51
